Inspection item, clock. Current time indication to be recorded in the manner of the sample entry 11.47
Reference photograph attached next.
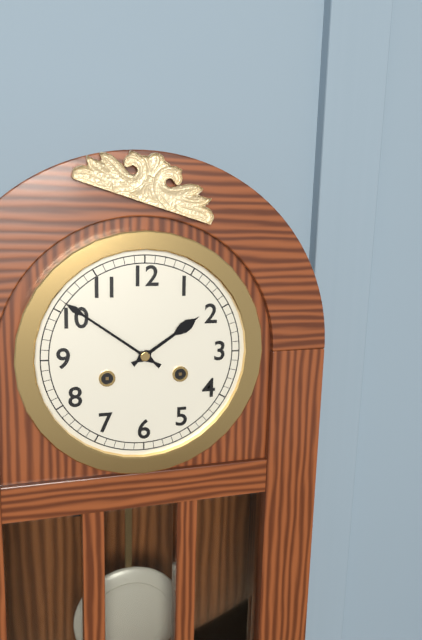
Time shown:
1.51
